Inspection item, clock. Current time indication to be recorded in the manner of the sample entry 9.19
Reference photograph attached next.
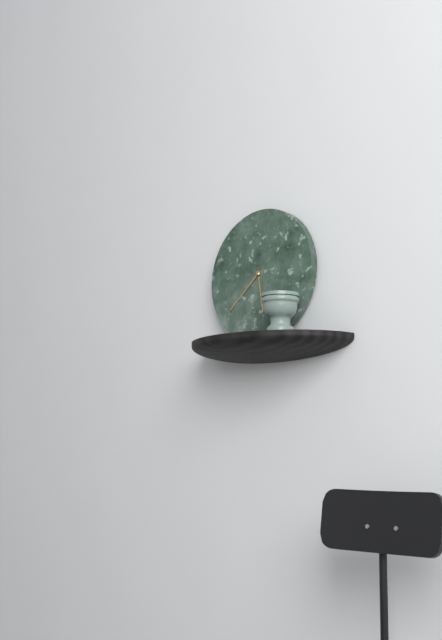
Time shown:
5.38
